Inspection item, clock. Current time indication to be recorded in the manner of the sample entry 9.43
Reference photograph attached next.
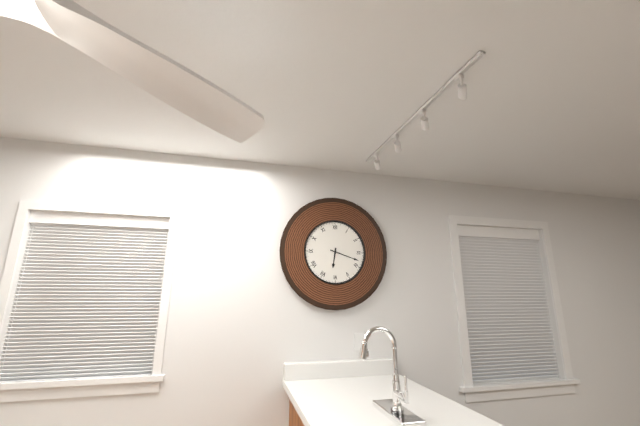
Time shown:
6.18
